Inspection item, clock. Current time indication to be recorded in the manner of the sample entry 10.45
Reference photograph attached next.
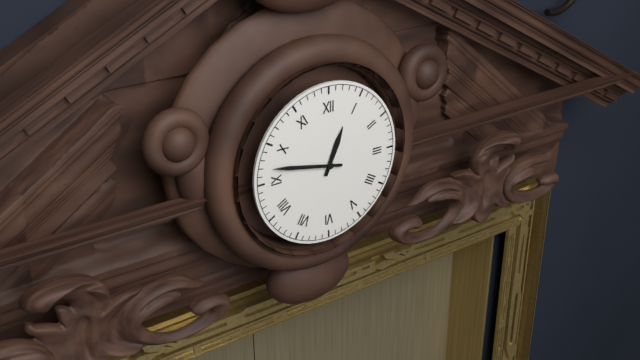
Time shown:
12.47
